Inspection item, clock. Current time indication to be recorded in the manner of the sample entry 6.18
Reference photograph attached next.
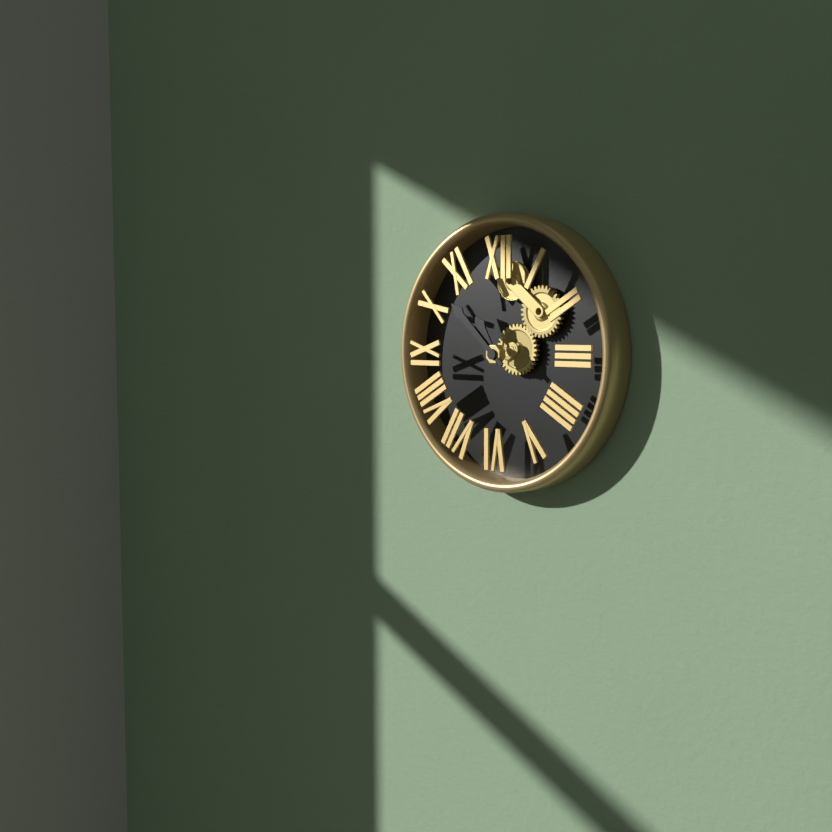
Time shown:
10.52
